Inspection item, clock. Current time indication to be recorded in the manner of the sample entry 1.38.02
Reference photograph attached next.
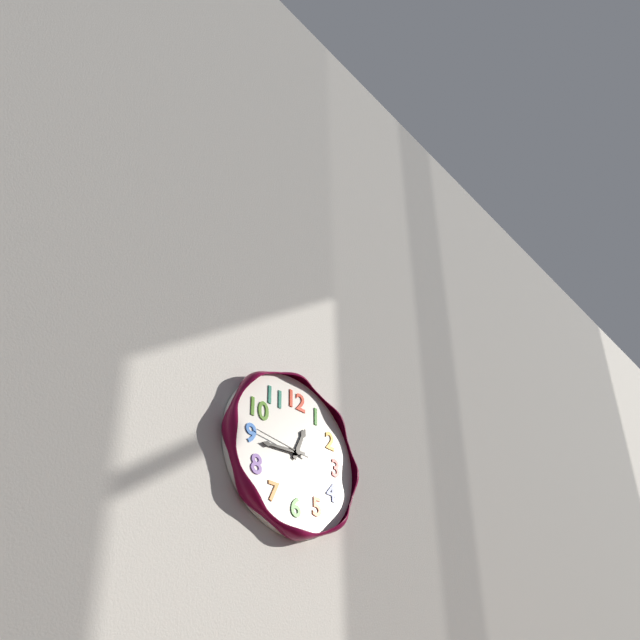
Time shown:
12.44.46
